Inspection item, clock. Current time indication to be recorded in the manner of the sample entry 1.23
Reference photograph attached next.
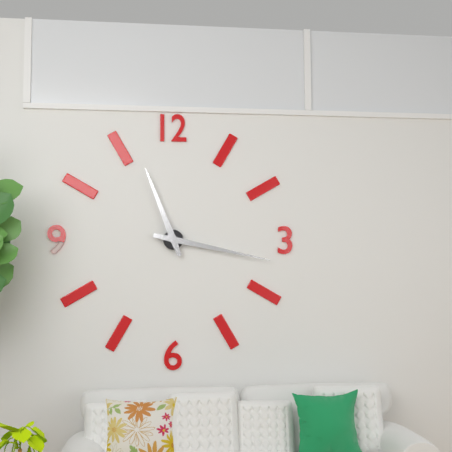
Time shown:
11.17
